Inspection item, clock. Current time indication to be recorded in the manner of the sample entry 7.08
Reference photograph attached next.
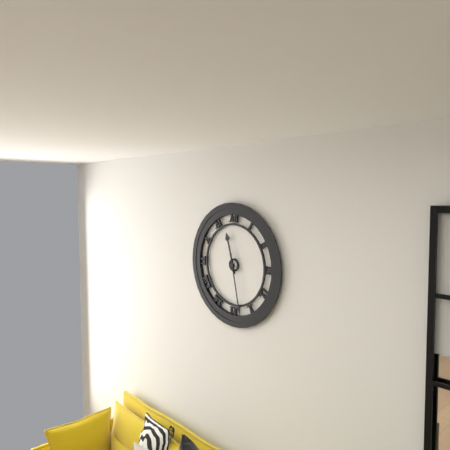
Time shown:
11.28
